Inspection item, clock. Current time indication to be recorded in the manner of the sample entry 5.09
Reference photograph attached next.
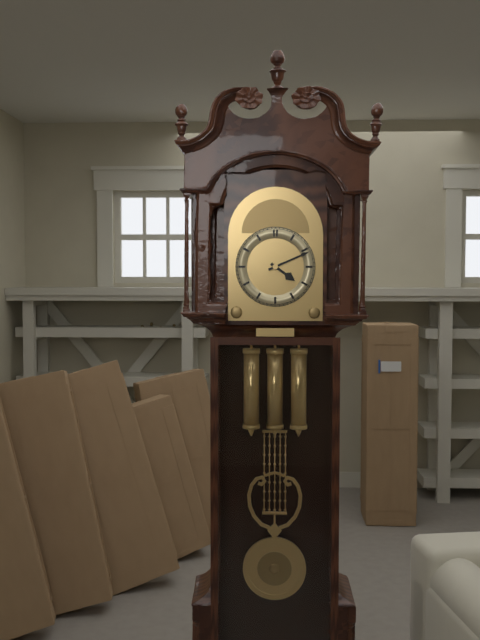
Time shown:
4.11
